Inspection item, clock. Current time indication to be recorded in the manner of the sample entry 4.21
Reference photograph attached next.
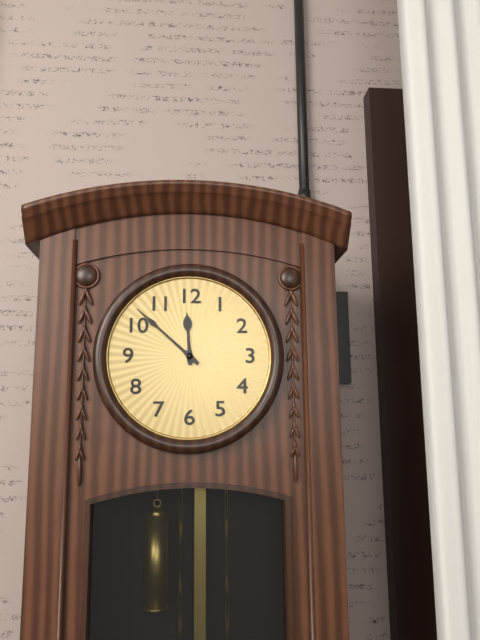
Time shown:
11.52
